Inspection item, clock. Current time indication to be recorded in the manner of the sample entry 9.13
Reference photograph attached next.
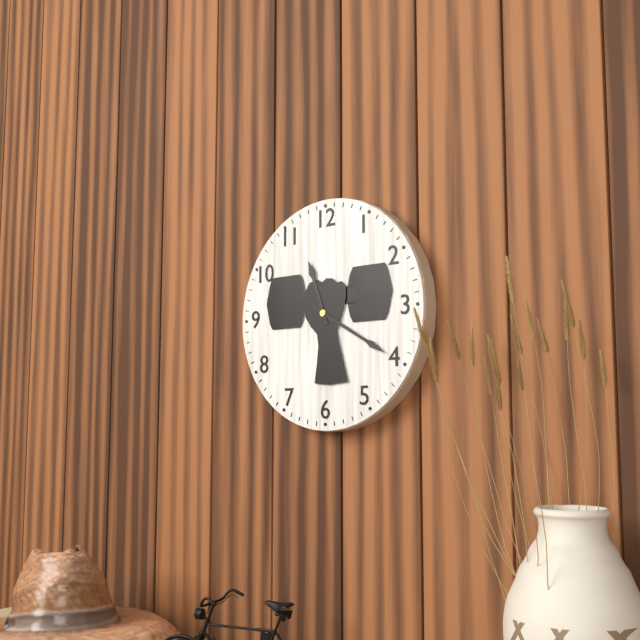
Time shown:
11.20
